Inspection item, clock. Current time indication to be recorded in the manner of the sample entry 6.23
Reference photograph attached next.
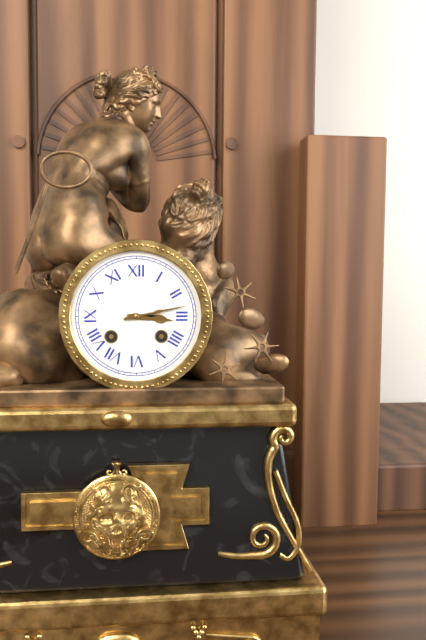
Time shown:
3.13
